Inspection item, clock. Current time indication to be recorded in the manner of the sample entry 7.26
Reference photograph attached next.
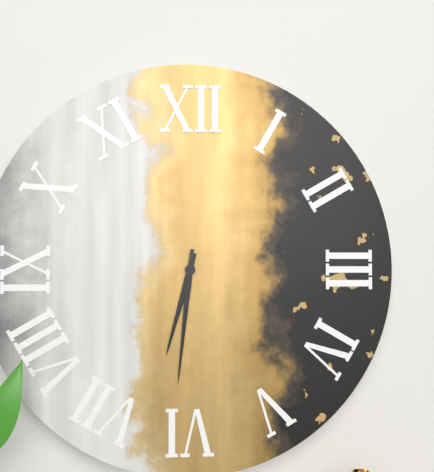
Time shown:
6.31
